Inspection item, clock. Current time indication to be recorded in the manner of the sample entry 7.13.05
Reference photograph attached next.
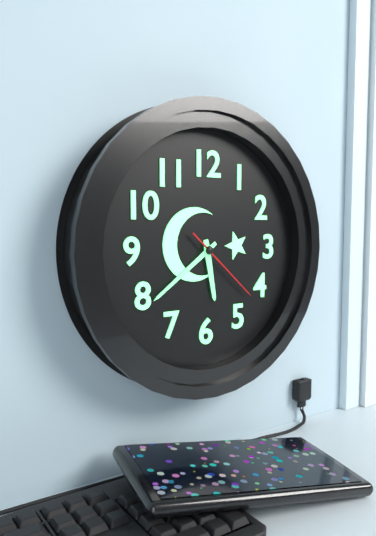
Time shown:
5.39.22
